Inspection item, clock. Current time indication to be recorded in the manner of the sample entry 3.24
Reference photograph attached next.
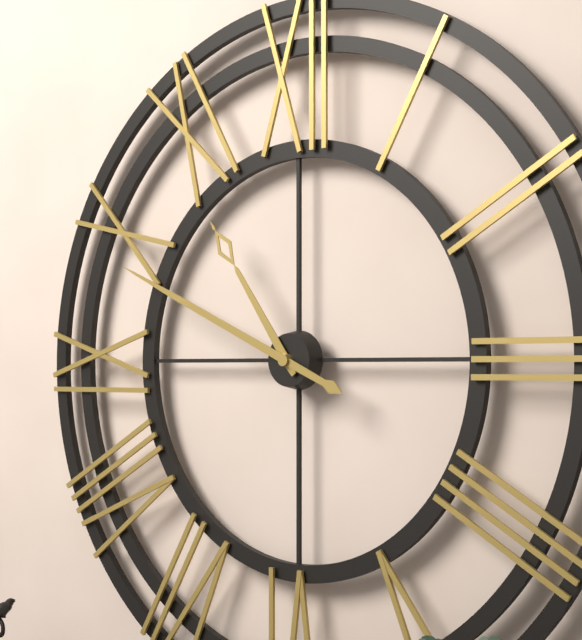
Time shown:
10.49
